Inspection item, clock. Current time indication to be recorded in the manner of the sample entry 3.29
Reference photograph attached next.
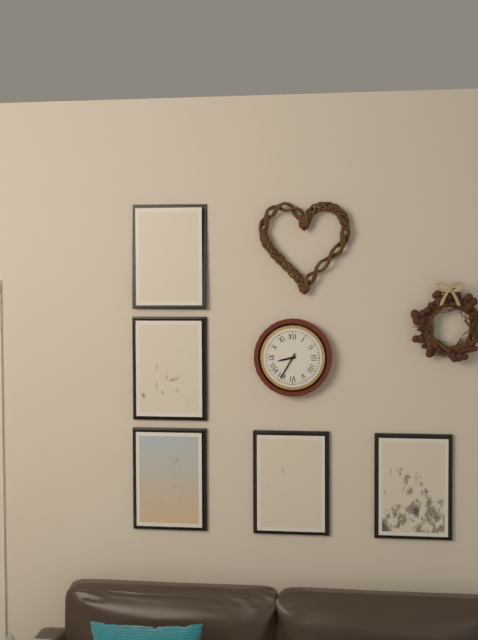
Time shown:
8.35
